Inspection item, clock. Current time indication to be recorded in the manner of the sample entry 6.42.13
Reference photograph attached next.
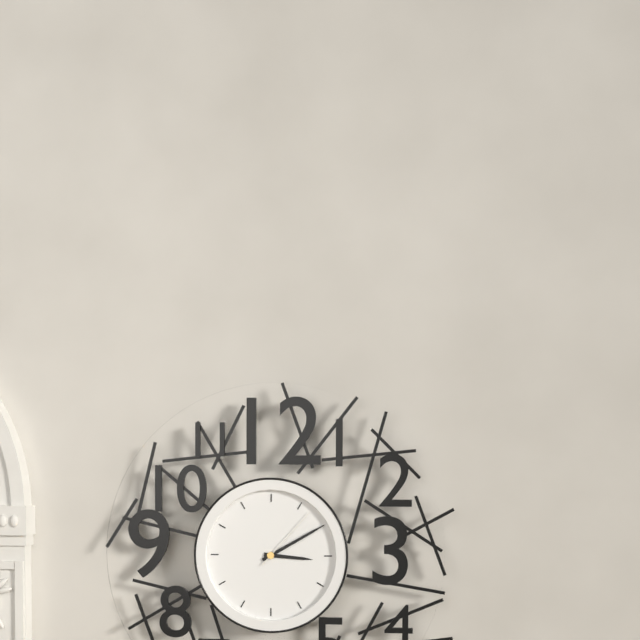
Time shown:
3.10.07
